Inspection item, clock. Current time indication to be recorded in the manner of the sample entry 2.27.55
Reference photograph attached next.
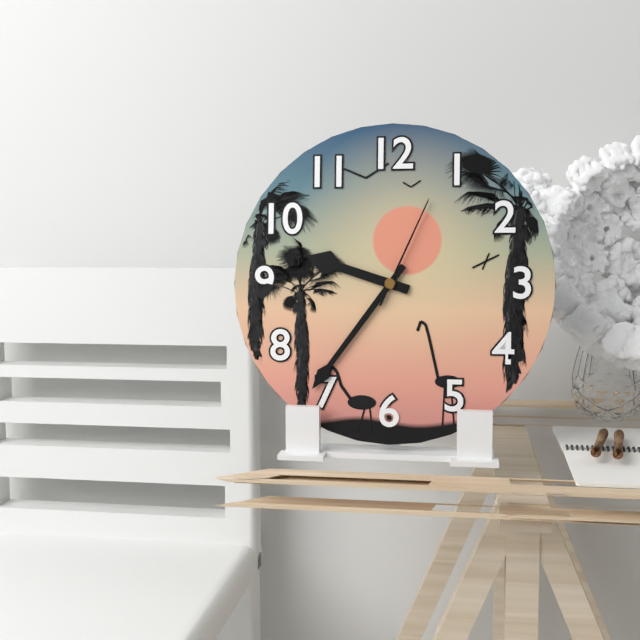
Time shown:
9.36.04
